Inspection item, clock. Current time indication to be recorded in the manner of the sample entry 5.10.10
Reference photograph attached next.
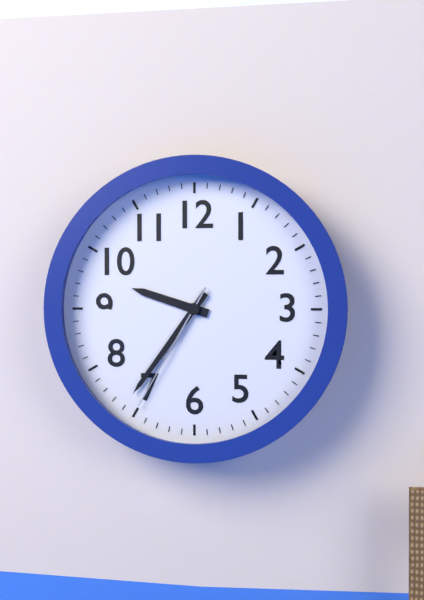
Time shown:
9.36.35
